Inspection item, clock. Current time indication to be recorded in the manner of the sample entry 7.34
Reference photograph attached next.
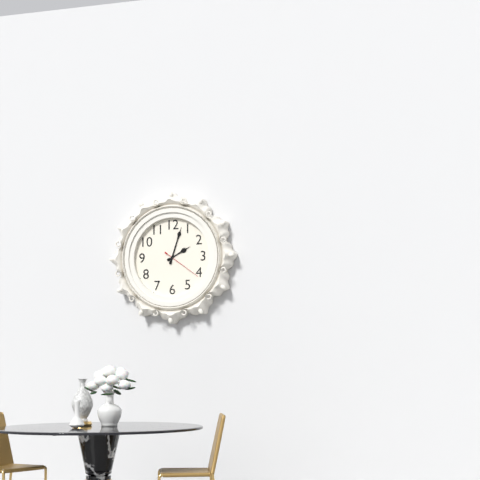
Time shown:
2.03
